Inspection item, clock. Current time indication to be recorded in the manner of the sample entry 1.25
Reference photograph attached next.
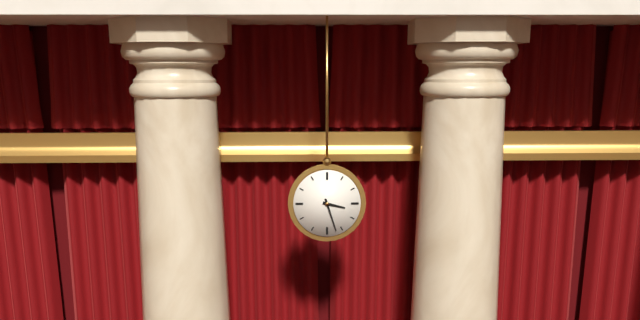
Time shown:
3.27
